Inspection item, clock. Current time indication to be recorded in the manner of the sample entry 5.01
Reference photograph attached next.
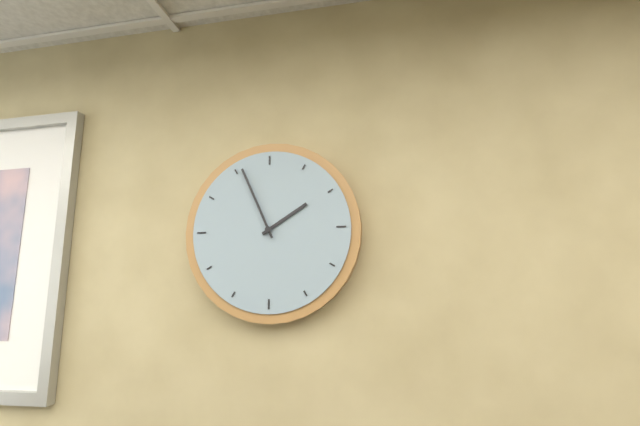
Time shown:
1.56
